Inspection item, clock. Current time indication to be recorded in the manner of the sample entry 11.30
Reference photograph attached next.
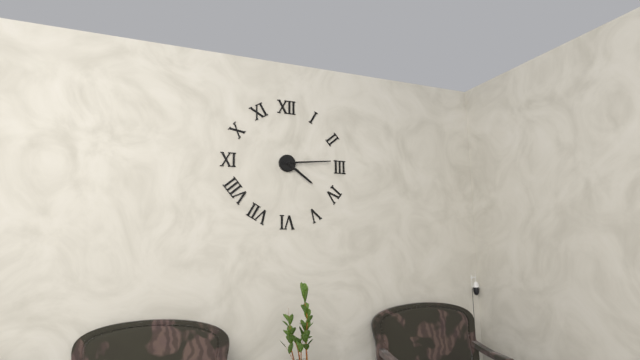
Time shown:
4.14
